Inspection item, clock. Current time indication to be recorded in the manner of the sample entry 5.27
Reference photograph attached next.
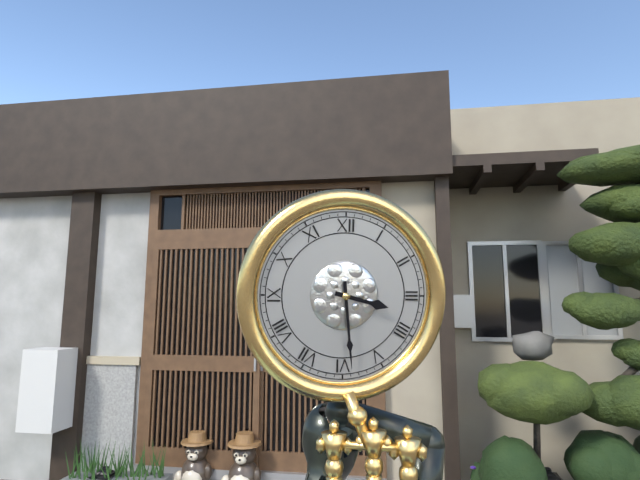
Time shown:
3.29
